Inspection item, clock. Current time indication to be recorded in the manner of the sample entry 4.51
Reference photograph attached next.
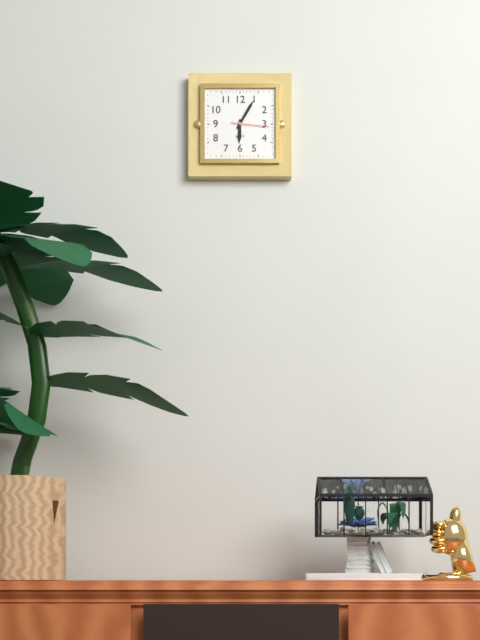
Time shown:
6.05
